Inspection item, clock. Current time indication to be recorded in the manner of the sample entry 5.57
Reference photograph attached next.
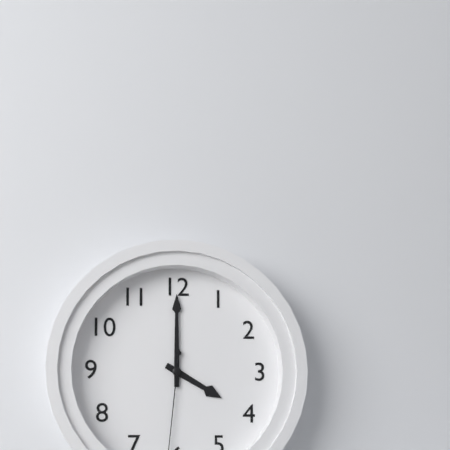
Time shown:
4.00
